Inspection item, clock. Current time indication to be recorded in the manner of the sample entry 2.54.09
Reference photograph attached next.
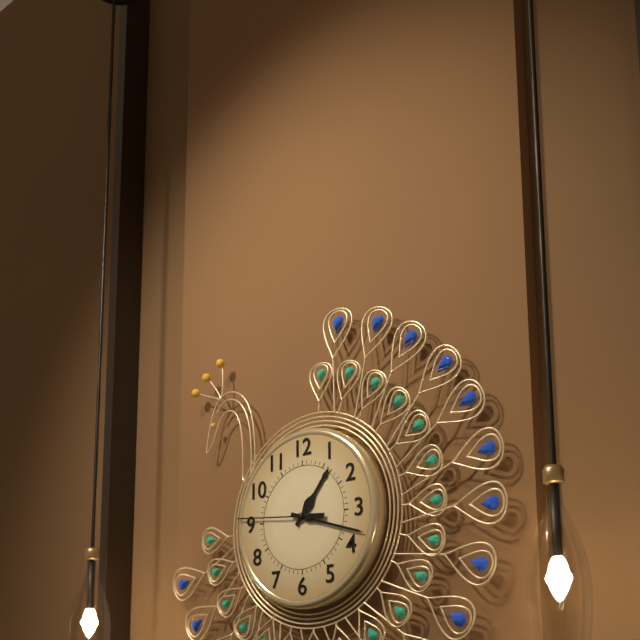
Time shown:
1.18.46
